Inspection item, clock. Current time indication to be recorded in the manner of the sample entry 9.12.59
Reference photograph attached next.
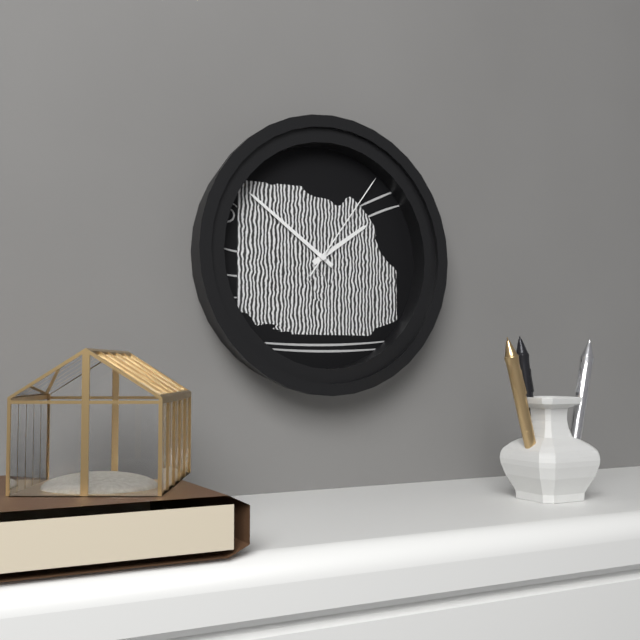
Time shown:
1.51.06
